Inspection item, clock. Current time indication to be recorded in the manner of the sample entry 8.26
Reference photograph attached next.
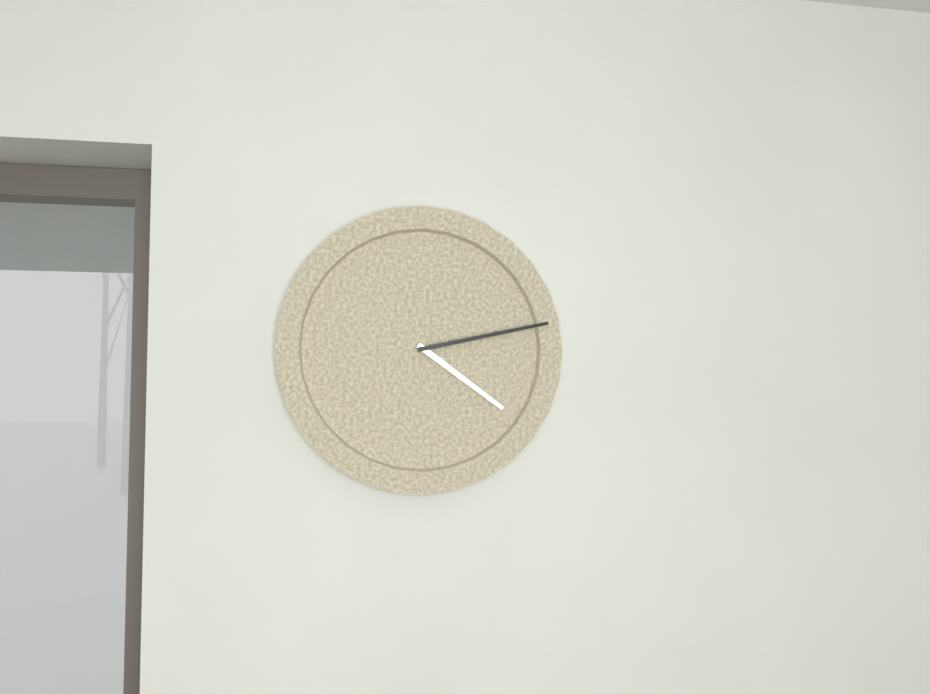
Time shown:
4.13
